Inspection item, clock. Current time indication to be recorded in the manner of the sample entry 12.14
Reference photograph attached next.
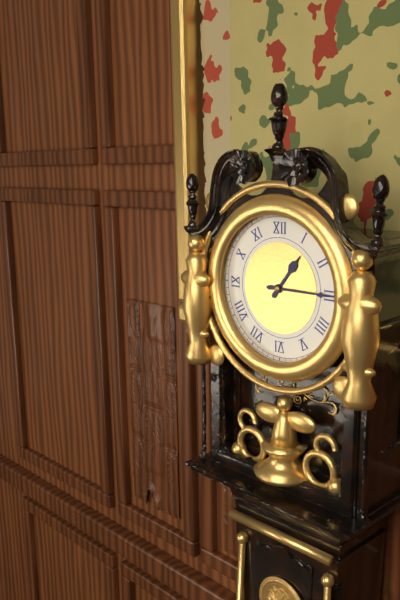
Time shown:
1.15
